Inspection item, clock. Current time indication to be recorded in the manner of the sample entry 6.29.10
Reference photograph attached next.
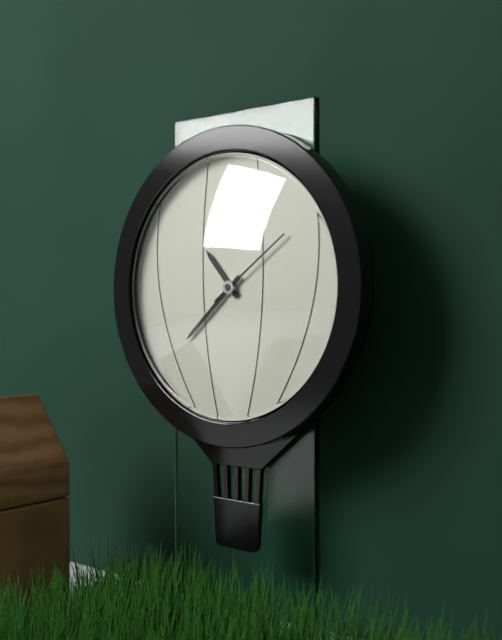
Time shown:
10.38.09
